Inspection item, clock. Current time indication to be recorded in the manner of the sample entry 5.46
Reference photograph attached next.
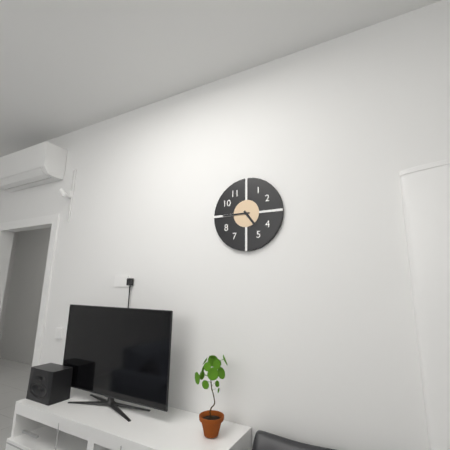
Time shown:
4.45
